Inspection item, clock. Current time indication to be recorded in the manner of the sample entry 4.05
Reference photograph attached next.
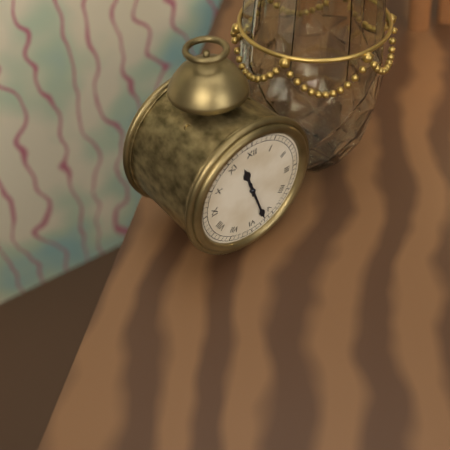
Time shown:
11.27
